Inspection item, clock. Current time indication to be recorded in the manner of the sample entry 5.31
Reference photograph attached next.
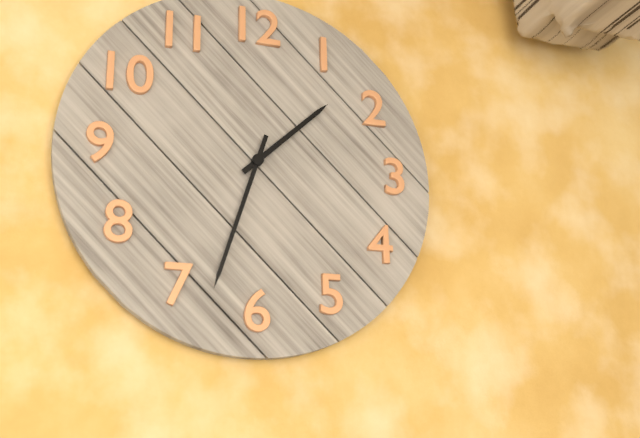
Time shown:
1.33
